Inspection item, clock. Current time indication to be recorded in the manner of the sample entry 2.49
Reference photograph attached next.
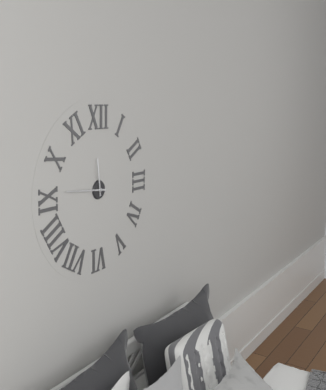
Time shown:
11.46
